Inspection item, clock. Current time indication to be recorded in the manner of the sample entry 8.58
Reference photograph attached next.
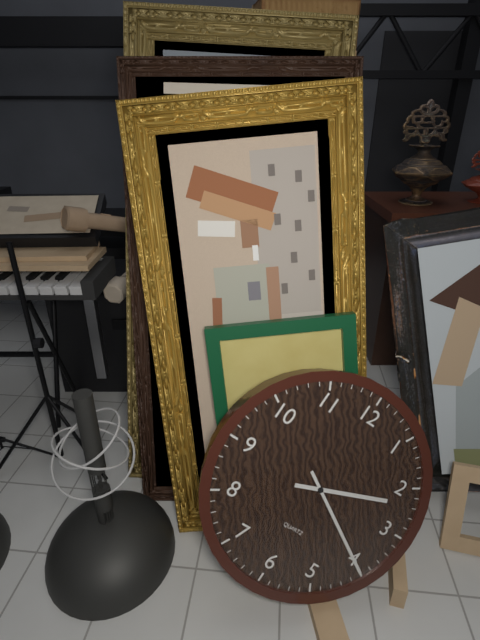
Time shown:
2.20
